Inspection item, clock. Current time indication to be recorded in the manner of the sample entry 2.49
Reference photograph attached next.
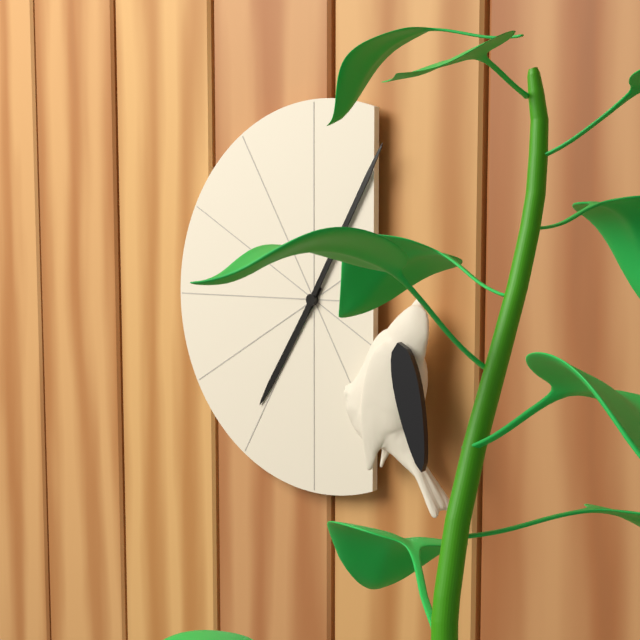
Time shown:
7.05
